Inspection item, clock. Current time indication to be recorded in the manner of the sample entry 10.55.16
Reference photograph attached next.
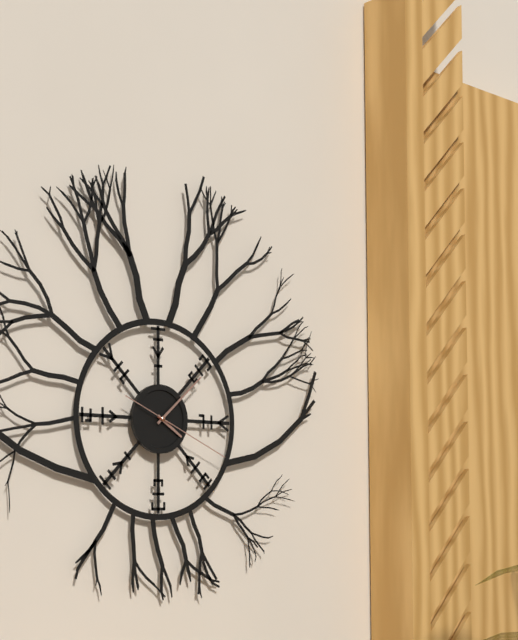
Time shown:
4.08.19
